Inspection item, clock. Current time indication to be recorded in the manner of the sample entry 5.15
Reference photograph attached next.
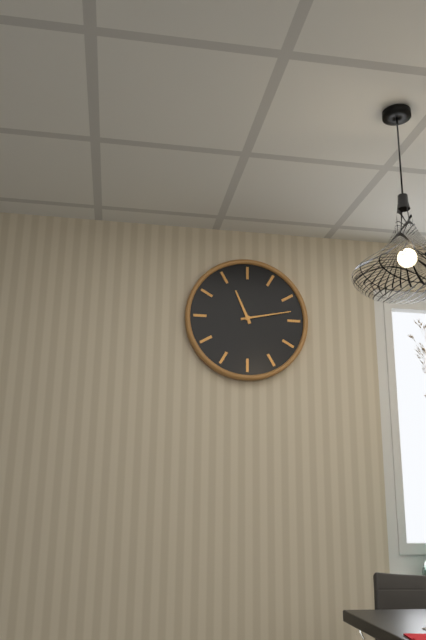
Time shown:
11.13
